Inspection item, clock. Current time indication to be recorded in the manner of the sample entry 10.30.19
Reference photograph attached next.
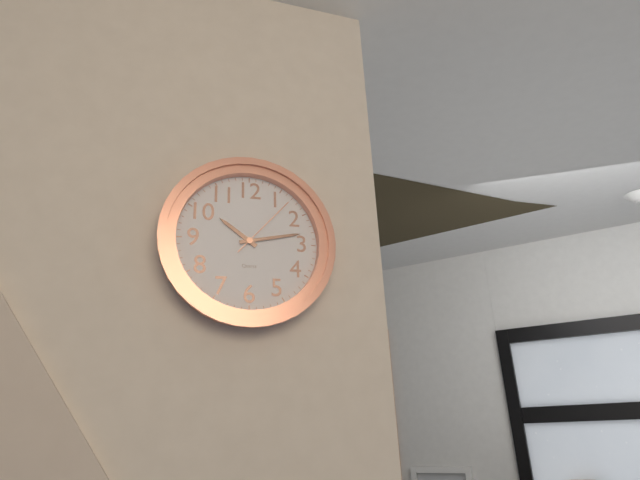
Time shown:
10.13.07
